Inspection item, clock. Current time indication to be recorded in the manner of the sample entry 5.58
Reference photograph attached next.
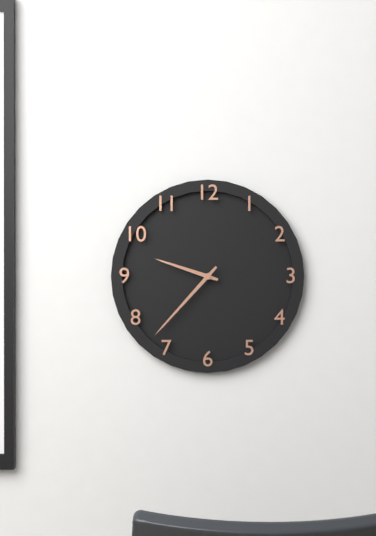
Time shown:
9.37
